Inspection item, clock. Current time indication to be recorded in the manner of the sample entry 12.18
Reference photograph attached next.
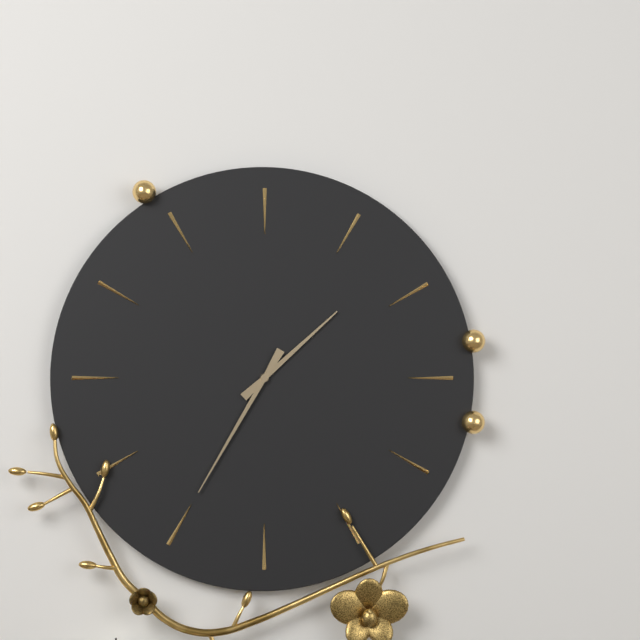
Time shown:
1.35
